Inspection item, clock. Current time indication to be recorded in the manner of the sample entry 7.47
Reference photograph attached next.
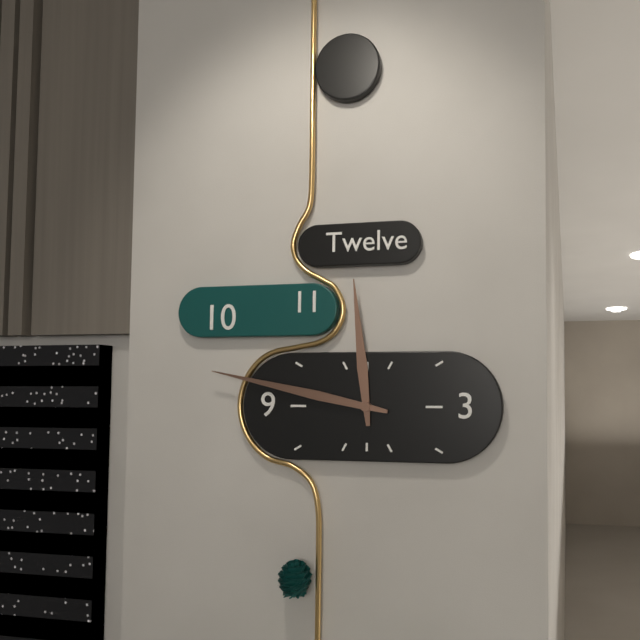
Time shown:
11.47
